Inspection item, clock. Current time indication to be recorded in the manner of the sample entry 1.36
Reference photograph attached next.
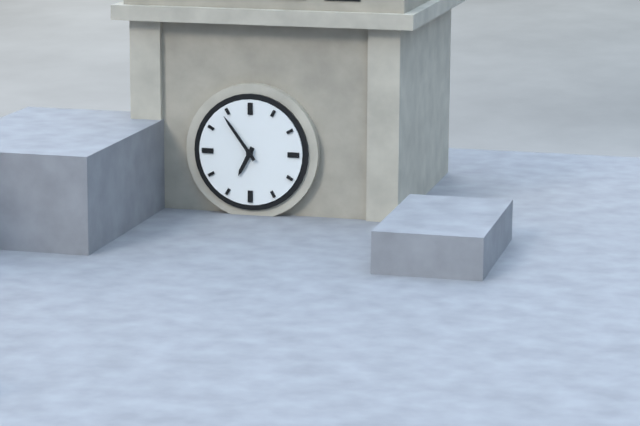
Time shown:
6.54
